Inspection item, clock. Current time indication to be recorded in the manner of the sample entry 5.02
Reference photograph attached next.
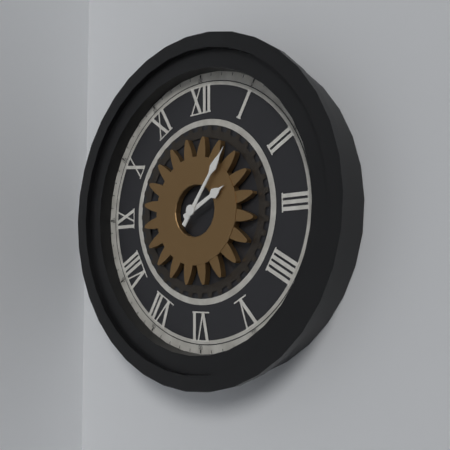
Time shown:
2.06
